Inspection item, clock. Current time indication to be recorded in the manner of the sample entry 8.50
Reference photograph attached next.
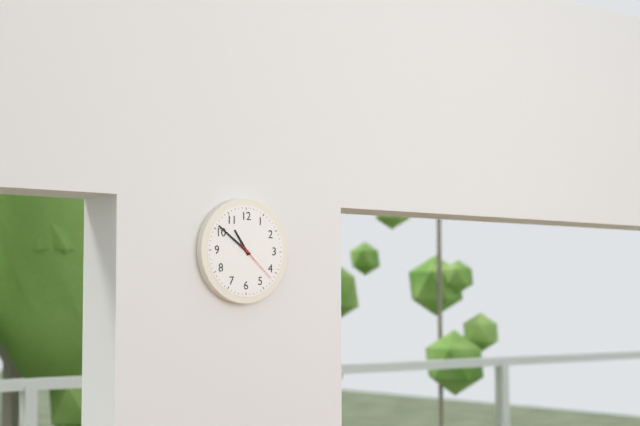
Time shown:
10.51
